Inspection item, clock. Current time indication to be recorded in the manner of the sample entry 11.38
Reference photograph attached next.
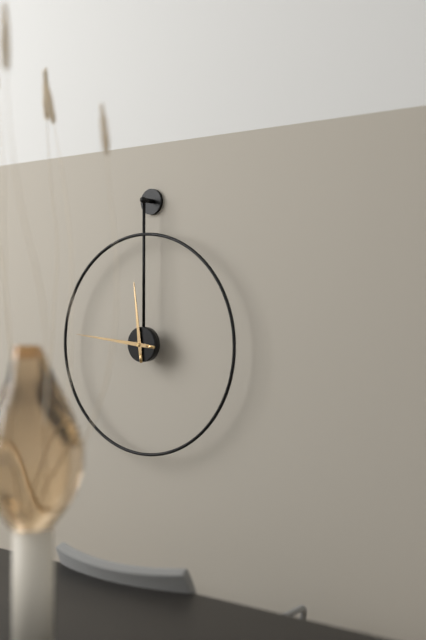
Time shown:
11.46
